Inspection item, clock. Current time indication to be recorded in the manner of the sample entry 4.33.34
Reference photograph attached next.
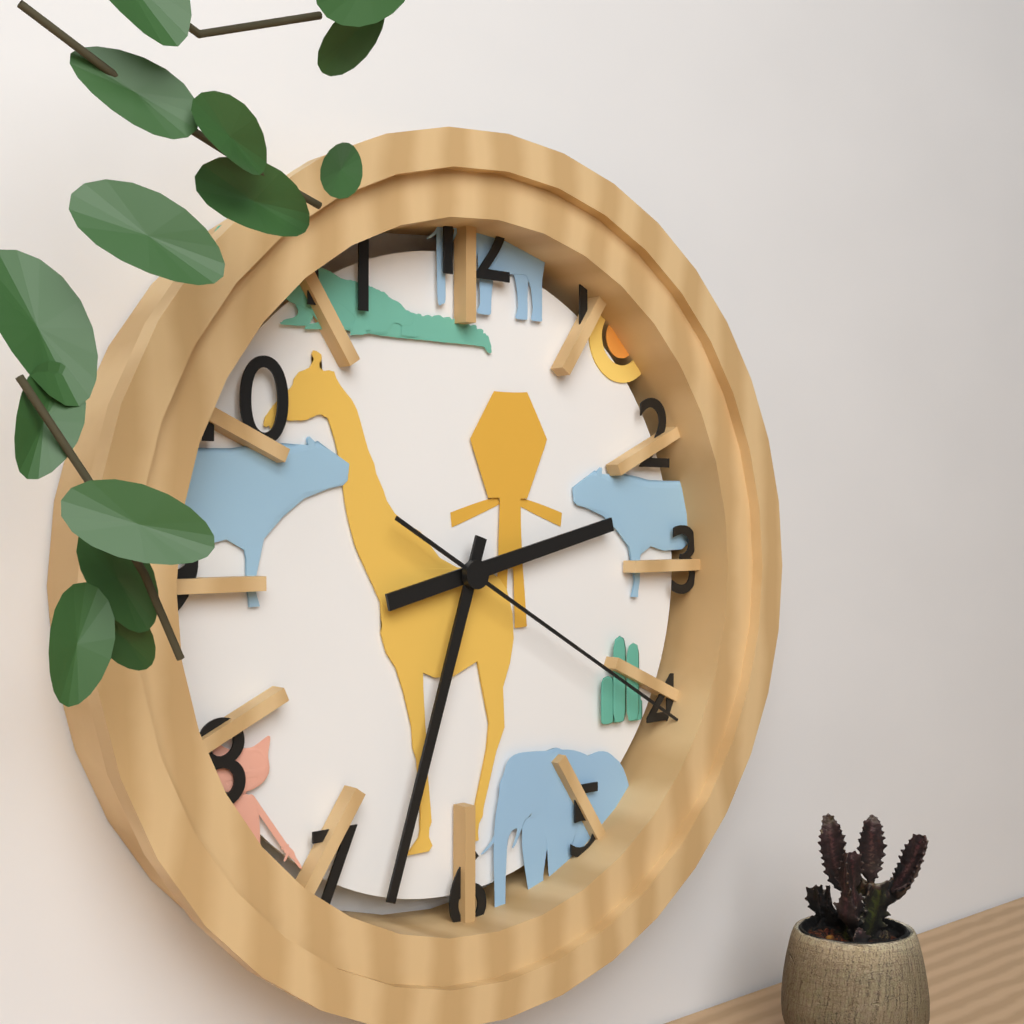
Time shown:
2.33.20
